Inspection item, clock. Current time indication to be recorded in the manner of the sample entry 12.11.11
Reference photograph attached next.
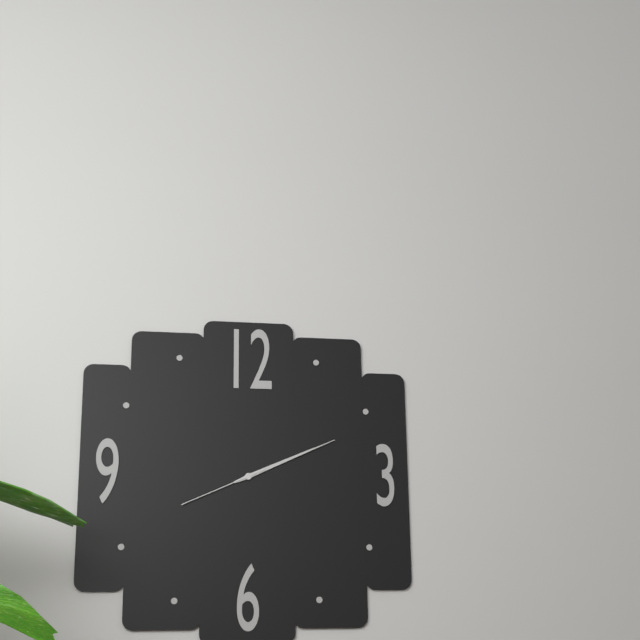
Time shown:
2.11.41
